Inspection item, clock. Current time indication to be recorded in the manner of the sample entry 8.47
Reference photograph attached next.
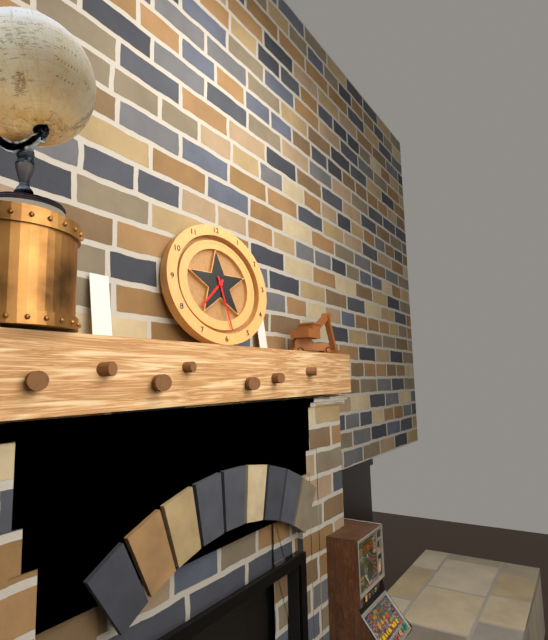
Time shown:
7.28
